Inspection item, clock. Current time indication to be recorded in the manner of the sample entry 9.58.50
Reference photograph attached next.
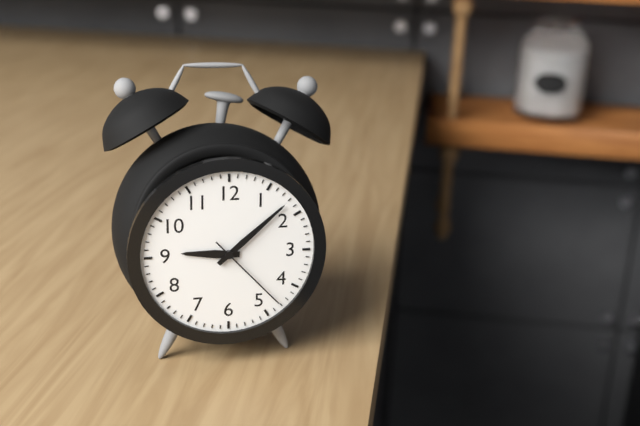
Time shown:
9.08.23
